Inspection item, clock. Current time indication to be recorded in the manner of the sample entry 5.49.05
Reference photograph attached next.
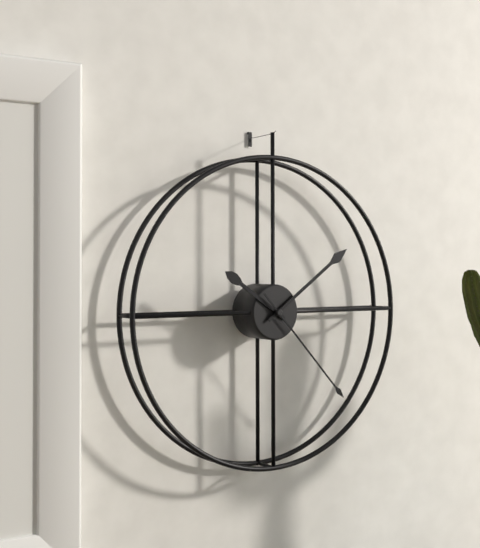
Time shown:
10.09.23
